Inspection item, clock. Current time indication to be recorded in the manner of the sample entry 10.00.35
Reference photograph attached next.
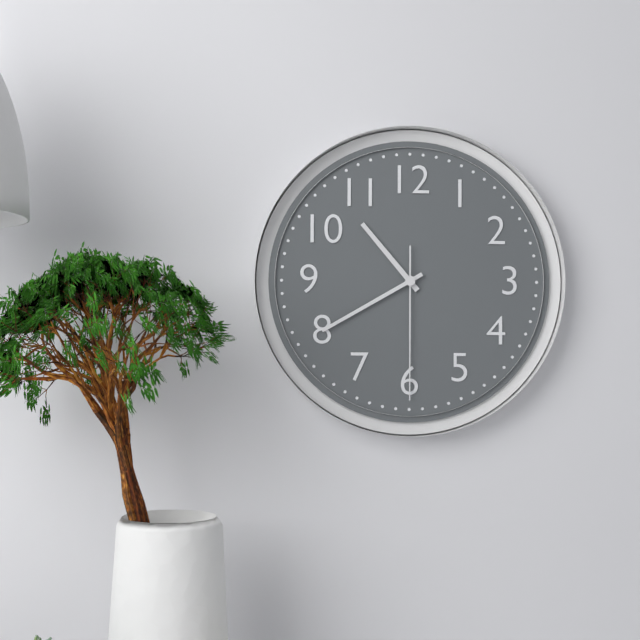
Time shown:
10.40.30
